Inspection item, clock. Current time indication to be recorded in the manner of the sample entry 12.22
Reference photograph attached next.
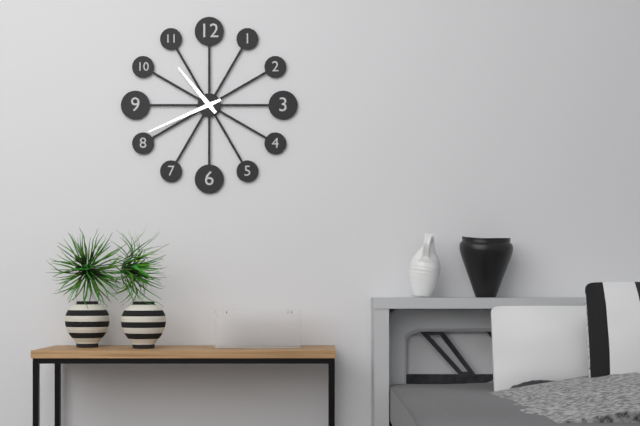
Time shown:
10.41
